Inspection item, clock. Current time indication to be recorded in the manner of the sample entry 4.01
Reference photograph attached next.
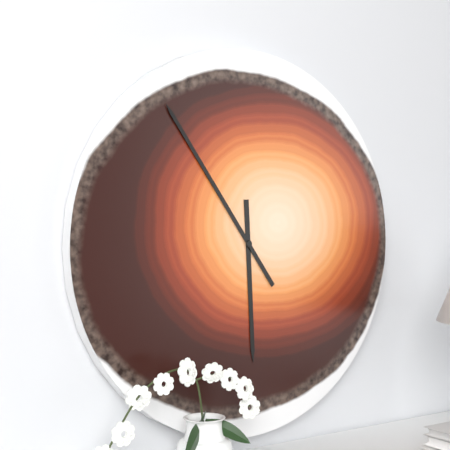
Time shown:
5.54
